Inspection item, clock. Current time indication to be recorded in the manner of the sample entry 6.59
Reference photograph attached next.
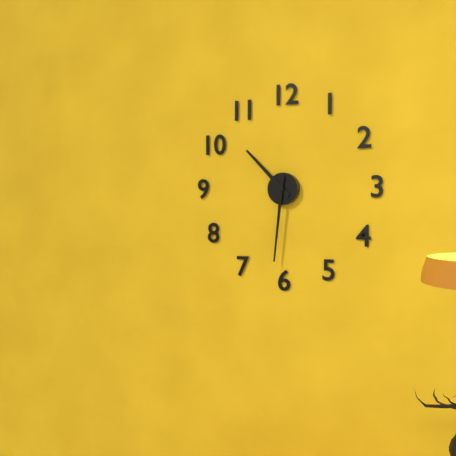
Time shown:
10.31
